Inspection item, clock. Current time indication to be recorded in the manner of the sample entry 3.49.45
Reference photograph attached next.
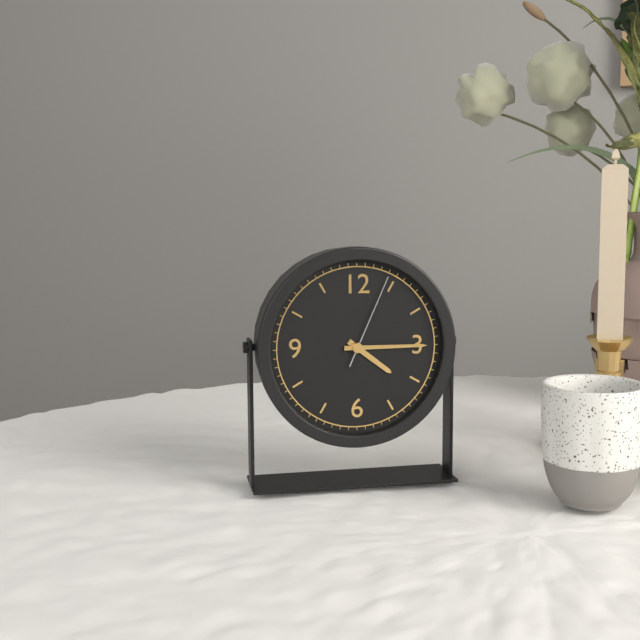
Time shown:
4.15.04
